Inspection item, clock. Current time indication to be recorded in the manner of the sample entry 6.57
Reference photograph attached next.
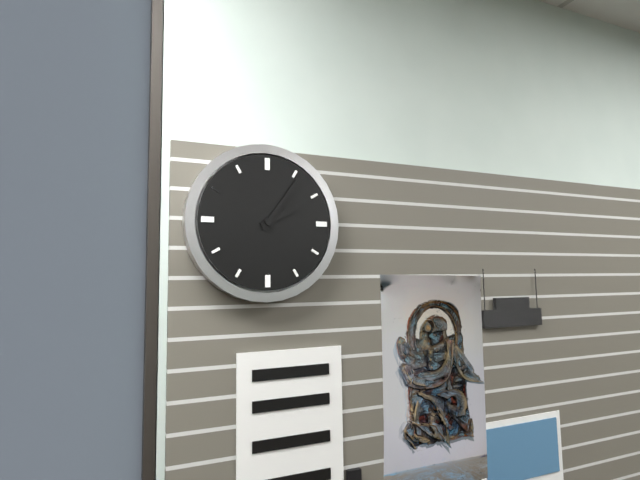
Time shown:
2.06
